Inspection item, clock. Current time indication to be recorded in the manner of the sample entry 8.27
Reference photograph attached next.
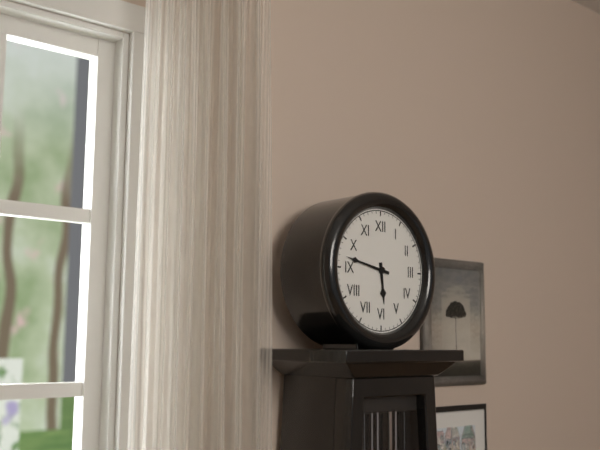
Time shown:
5.47
